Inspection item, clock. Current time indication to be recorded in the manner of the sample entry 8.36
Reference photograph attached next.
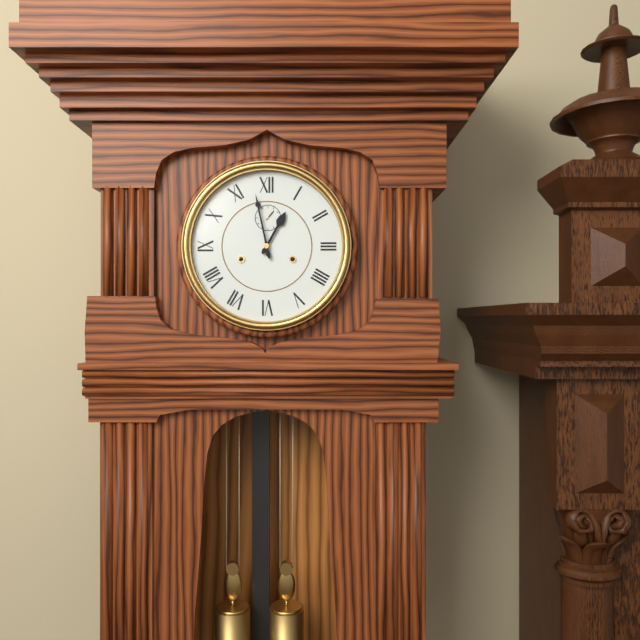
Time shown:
12.58
